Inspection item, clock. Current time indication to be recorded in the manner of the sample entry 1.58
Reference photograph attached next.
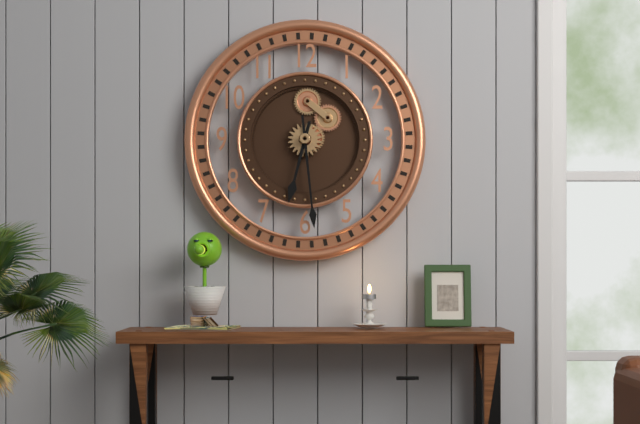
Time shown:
6.29
